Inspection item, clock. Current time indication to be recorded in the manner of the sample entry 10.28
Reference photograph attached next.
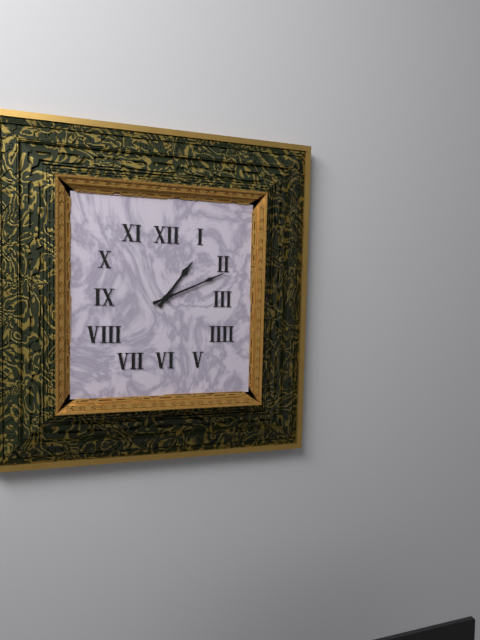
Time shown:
1.11
